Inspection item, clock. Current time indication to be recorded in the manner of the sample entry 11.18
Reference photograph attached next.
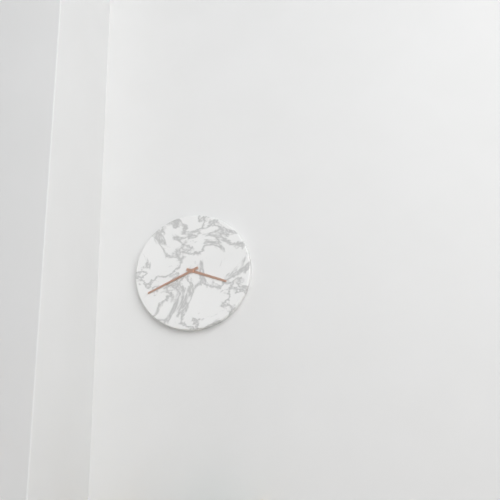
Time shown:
3.41
